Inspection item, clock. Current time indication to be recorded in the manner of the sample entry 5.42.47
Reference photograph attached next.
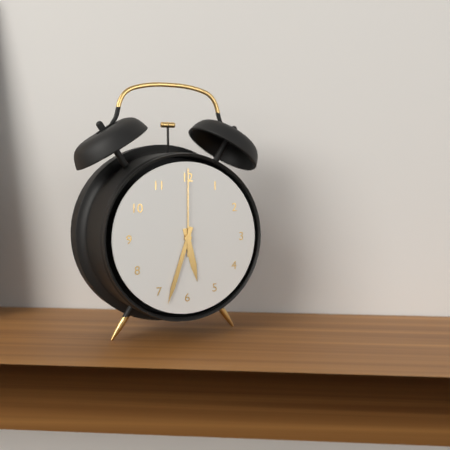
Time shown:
5.33.00
